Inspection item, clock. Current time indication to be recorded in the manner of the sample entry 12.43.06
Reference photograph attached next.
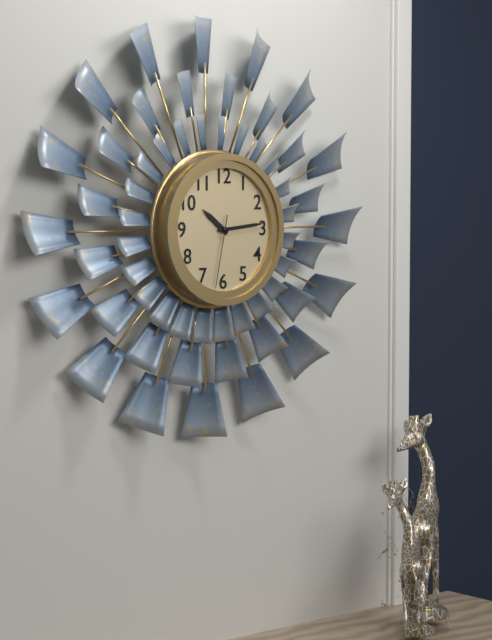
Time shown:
10.14.32
